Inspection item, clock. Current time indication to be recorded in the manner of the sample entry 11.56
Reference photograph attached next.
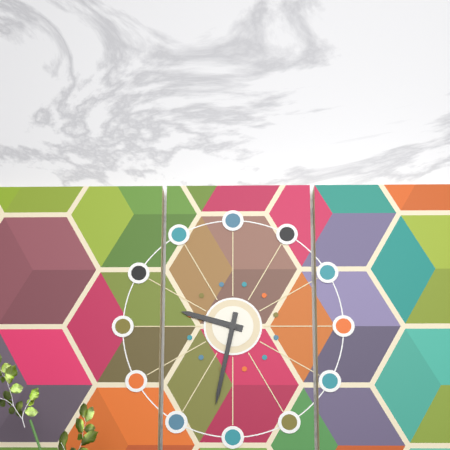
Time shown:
9.32
